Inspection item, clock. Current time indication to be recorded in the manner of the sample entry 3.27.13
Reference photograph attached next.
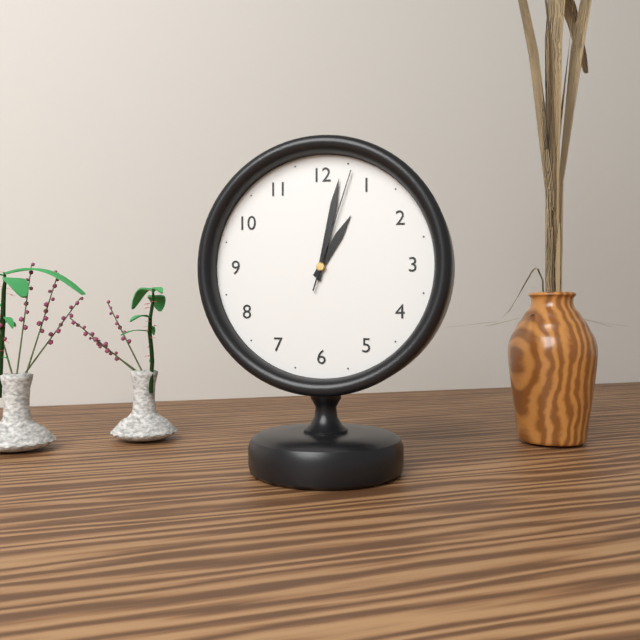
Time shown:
1.02.03
